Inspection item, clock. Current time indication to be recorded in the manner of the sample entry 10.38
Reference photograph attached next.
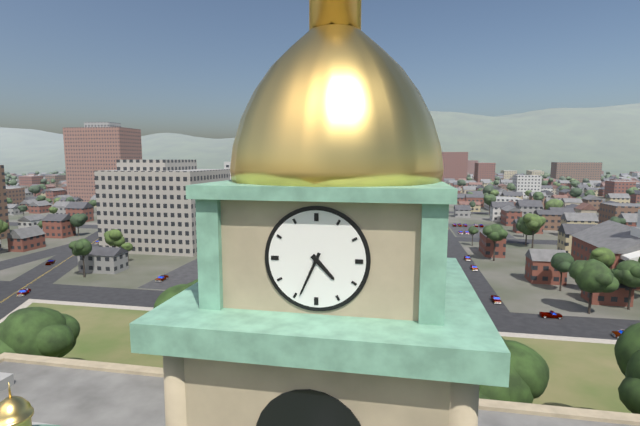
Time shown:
4.34
